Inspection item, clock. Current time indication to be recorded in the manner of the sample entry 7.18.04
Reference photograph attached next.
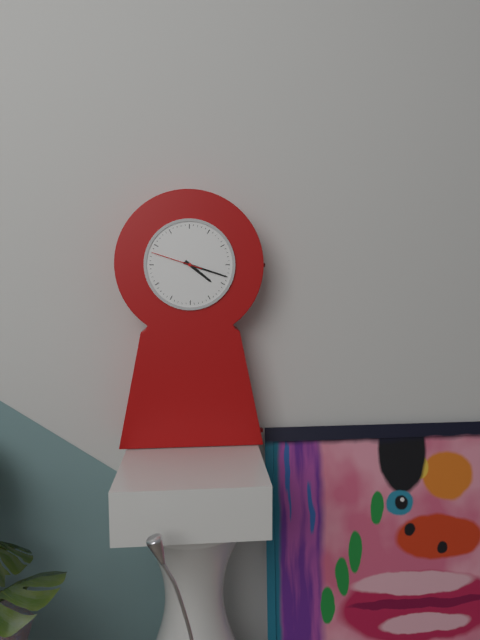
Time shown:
4.18.48
